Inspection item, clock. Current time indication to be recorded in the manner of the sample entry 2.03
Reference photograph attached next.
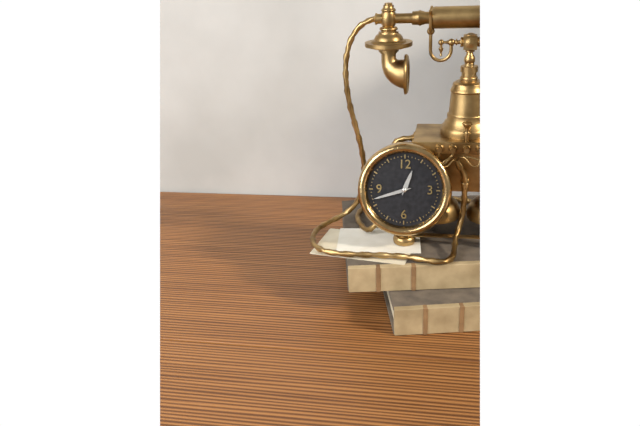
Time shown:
12.42
